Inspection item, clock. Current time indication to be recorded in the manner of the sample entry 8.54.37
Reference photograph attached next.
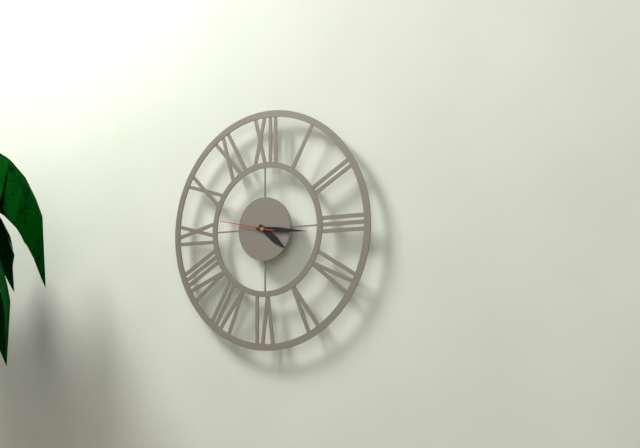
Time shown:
4.16.47
